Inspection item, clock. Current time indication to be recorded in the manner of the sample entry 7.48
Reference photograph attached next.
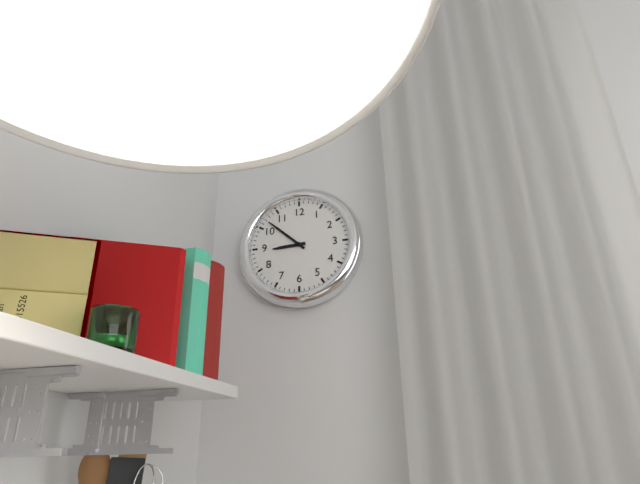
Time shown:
8.52
